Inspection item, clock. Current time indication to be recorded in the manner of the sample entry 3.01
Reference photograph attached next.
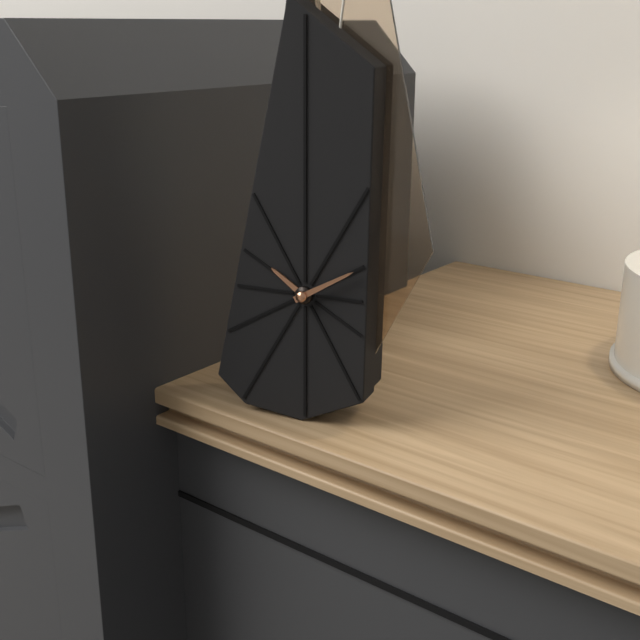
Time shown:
10.10
